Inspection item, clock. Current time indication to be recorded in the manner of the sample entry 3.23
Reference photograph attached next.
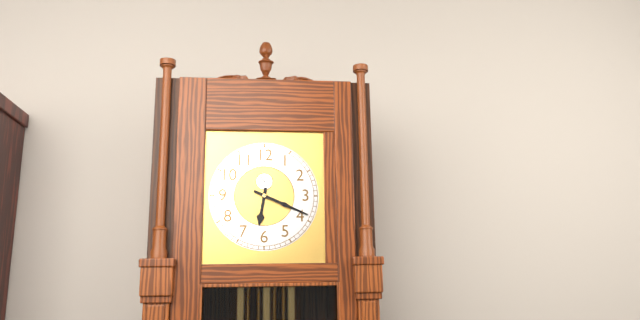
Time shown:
6.19
